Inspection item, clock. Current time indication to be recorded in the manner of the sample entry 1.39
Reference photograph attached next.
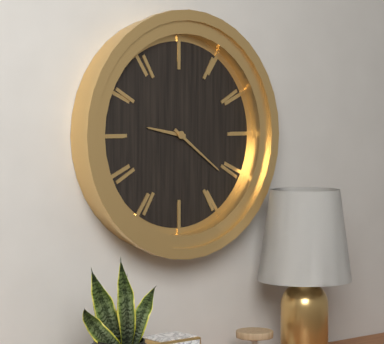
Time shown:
9.21
